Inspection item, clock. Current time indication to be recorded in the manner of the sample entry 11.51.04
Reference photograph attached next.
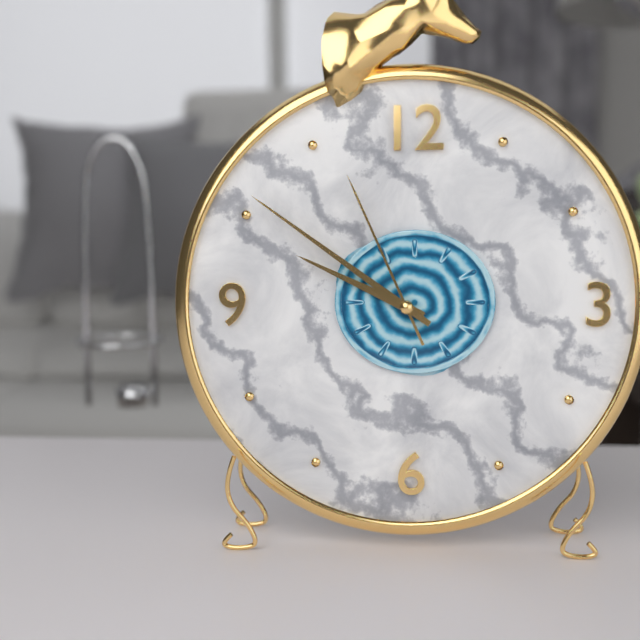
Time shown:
9.51.56
